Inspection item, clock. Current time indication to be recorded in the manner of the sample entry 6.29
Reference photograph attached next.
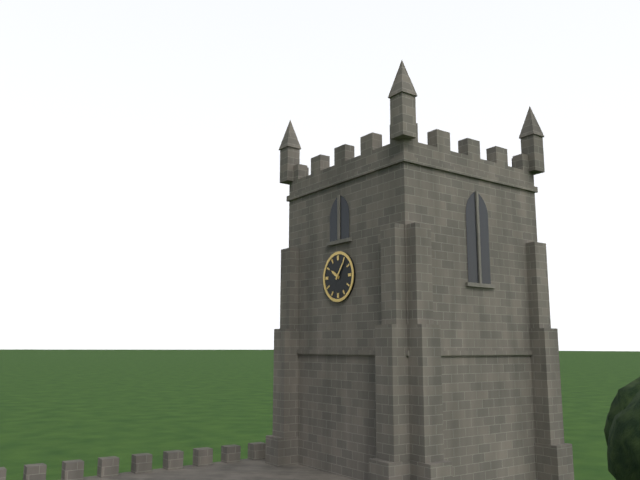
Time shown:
10.06
